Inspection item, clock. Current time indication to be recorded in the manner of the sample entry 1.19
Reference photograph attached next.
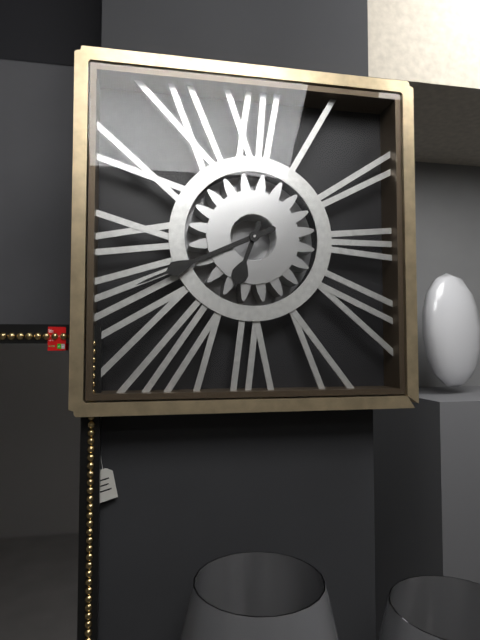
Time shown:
6.41
